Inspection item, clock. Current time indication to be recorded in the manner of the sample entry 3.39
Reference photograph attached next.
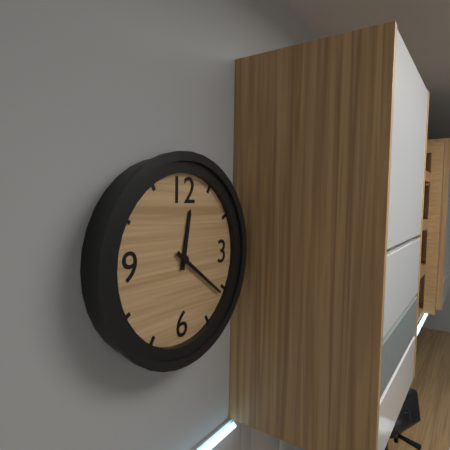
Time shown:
12.21
